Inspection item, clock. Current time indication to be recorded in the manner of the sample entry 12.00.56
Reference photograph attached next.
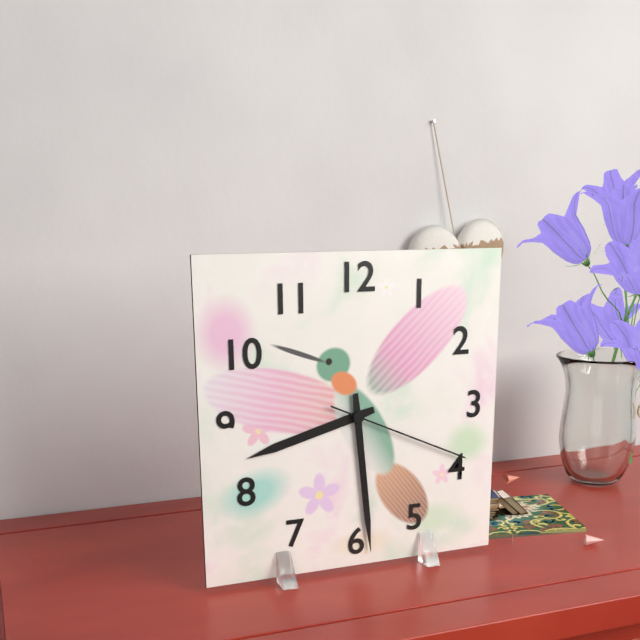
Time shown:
8.29.19
